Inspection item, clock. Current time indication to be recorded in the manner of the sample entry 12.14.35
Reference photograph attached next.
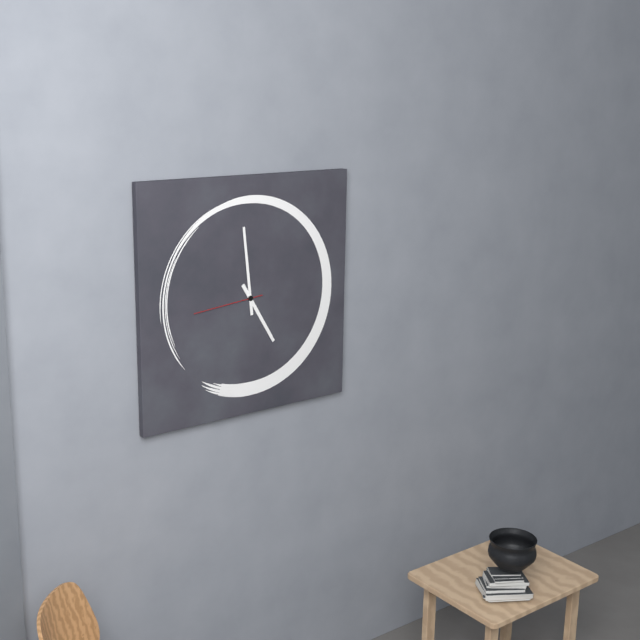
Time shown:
4.59.44
